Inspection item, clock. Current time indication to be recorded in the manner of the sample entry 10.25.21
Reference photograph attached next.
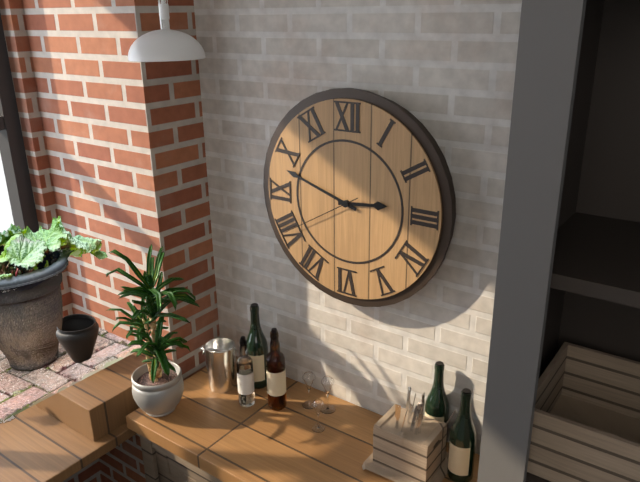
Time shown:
2.48.40
